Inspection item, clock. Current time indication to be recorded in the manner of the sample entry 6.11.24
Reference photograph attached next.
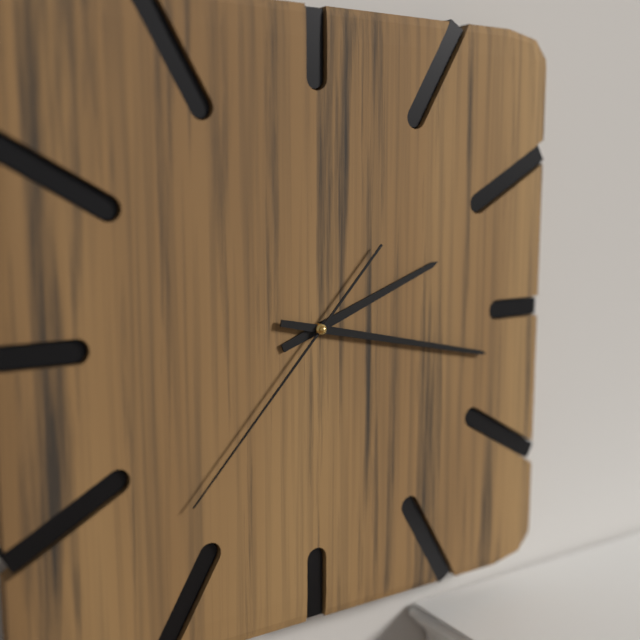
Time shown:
2.17.37
